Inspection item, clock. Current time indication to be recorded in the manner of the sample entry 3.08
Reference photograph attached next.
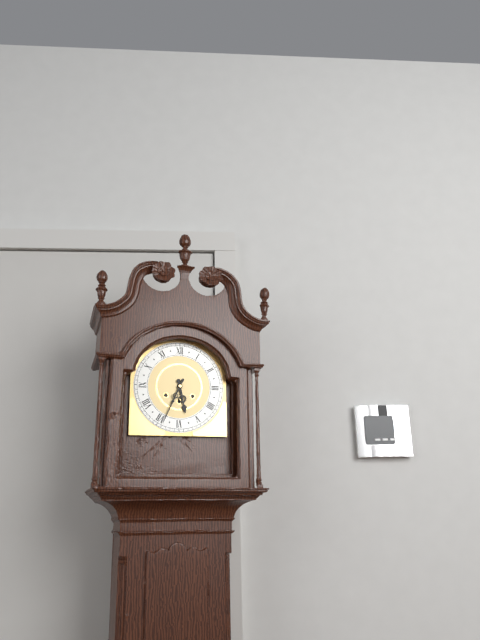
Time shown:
5.34
